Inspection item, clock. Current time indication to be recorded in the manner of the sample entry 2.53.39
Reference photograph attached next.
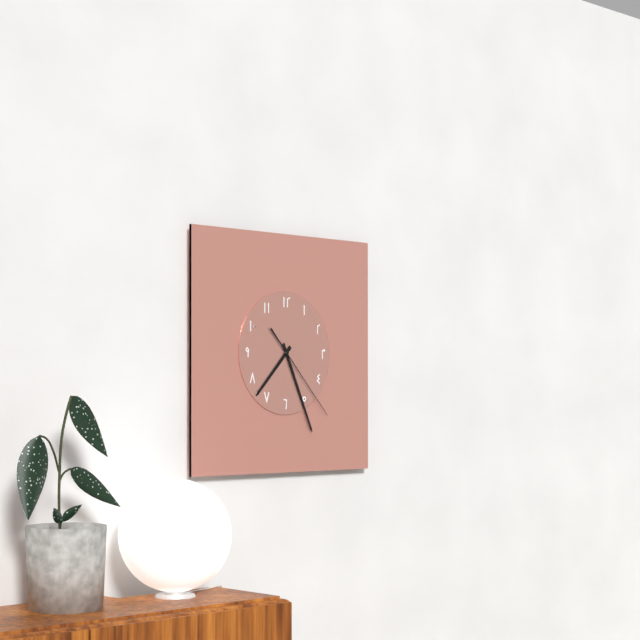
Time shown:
7.26.23
